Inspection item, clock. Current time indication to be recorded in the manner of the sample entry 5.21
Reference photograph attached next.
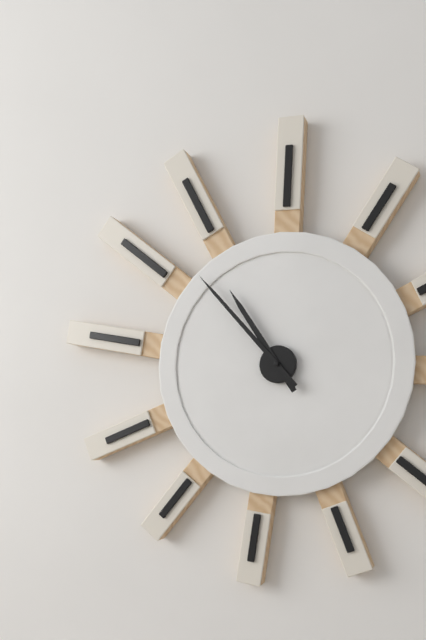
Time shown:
10.53
